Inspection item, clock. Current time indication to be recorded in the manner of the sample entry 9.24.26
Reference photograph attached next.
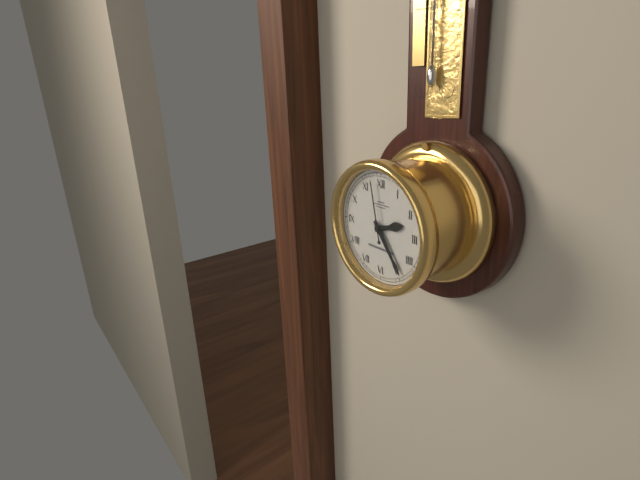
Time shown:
2.24.58
